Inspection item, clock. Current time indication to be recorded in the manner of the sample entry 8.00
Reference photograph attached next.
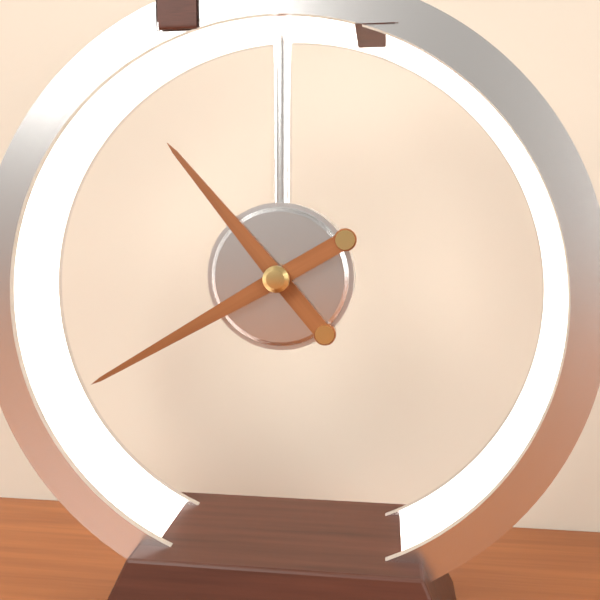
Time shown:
10.40
